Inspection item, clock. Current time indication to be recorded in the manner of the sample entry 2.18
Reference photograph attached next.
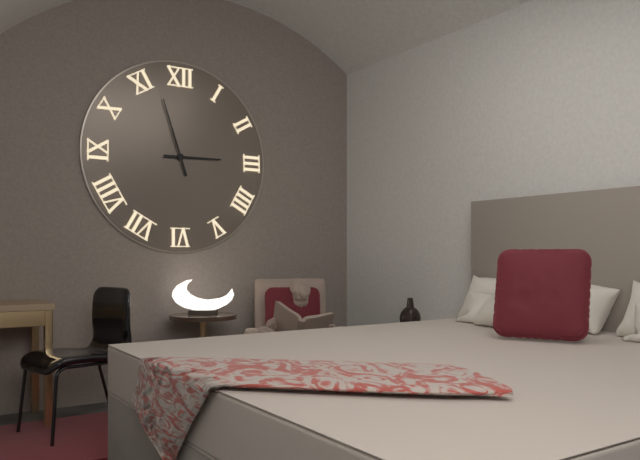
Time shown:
2.57
